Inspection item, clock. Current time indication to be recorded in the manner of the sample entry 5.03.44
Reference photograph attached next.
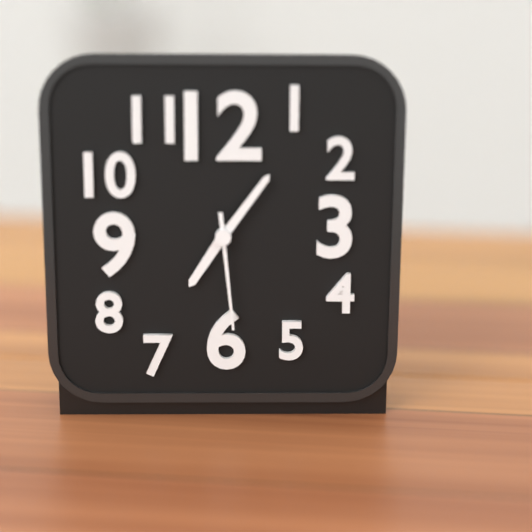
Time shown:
7.06.29
